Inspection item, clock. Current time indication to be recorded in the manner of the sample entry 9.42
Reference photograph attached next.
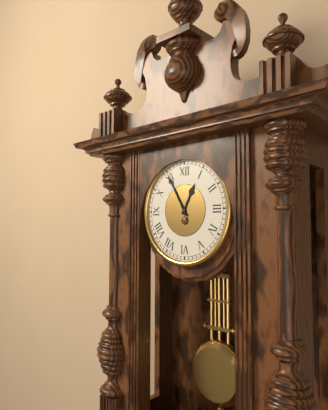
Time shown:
12.55
